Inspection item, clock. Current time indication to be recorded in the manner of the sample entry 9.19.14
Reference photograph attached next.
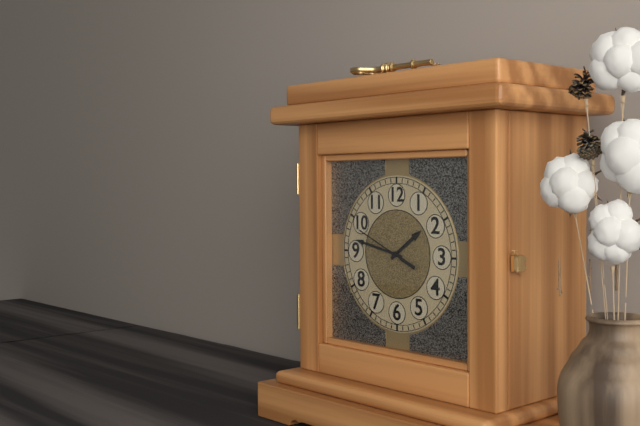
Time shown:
1.47.49
